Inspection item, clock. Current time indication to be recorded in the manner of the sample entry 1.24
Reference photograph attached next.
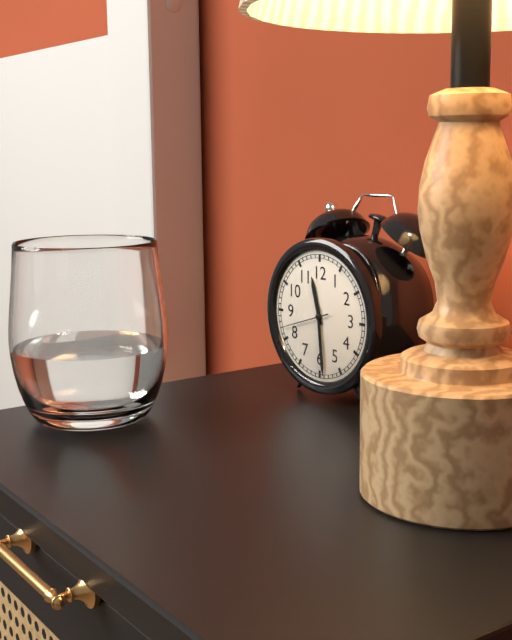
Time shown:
11.29
